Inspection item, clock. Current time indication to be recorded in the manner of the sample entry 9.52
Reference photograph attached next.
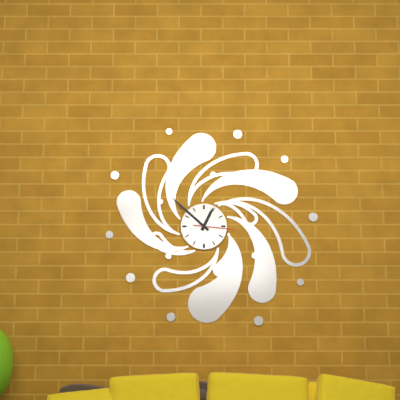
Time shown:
12.52
